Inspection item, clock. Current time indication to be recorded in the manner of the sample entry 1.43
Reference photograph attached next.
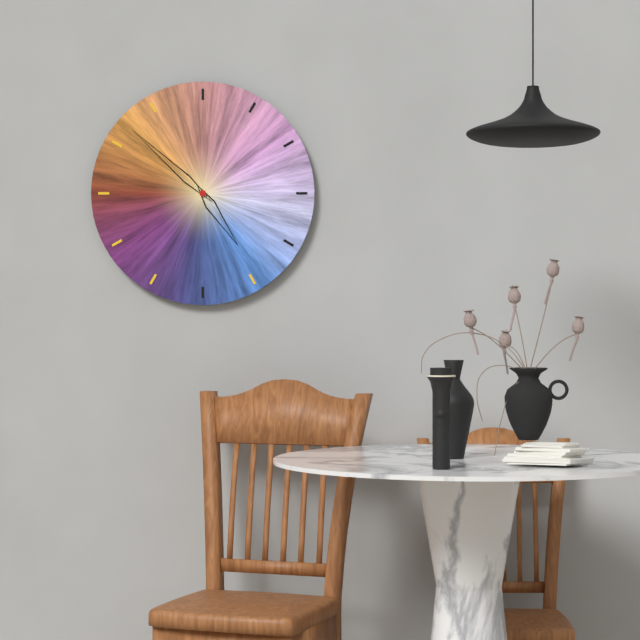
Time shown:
4.52
